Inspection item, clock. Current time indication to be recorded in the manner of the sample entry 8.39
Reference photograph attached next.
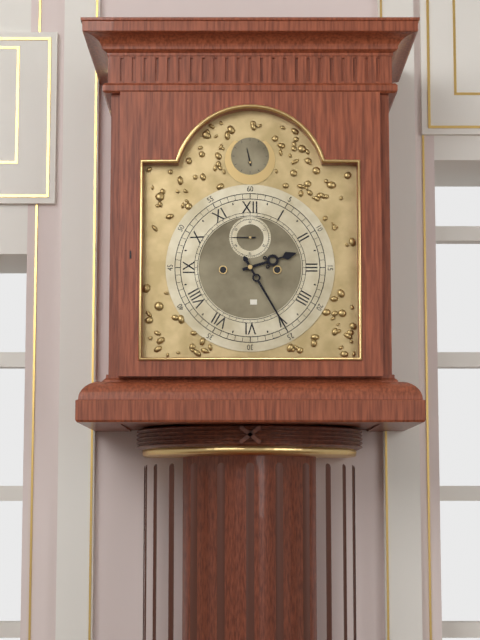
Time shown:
2.25
